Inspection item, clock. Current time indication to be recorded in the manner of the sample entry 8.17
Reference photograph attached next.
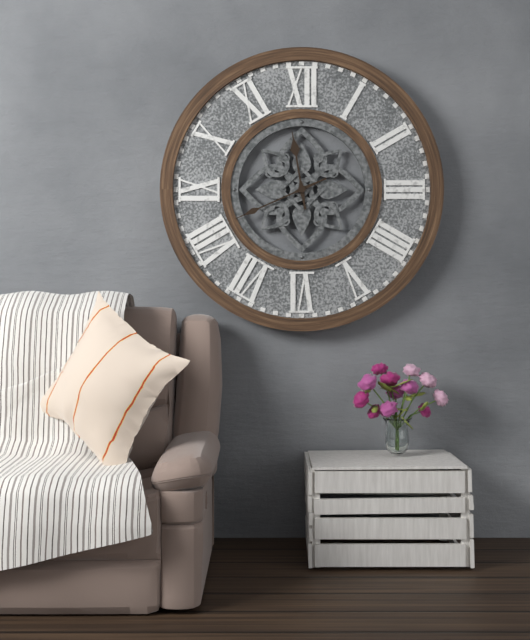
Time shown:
11.41
